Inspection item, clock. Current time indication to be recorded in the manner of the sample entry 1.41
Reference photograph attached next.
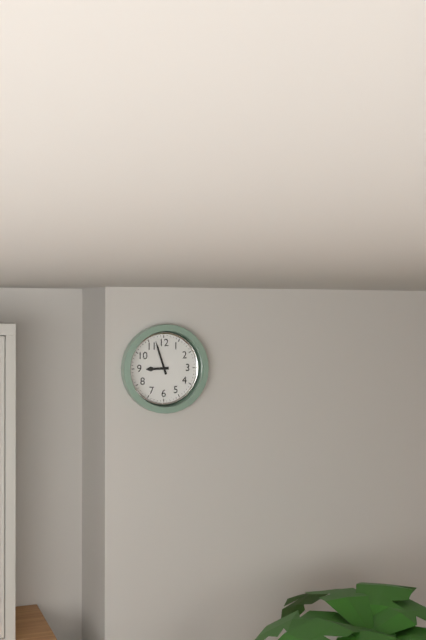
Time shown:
8.57
